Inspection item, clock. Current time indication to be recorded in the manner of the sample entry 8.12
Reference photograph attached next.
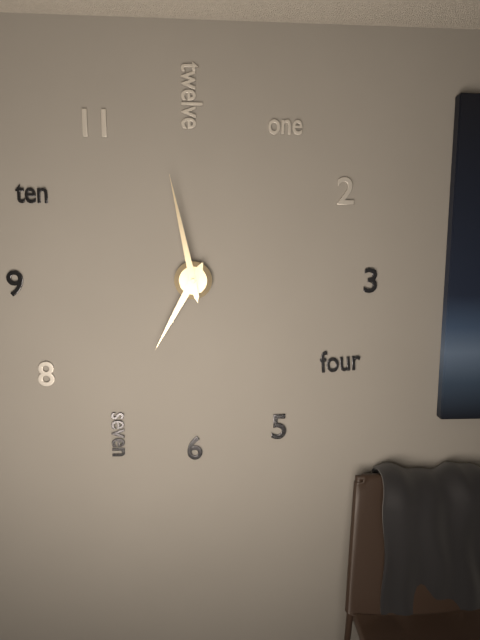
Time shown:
6.58
